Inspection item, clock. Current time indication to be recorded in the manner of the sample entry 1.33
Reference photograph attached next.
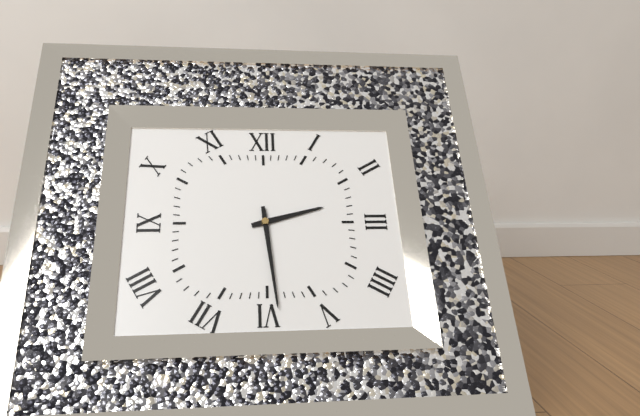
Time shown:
2.29
